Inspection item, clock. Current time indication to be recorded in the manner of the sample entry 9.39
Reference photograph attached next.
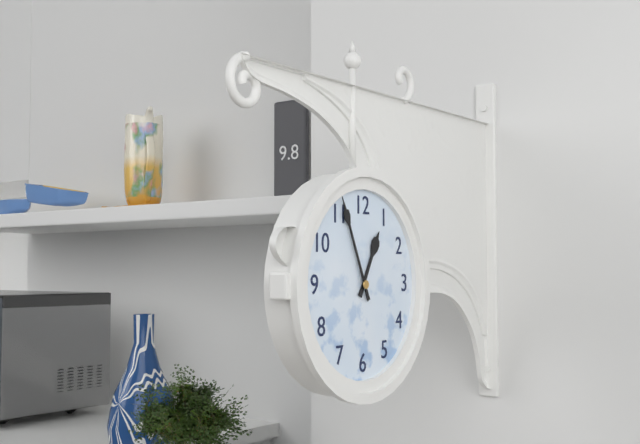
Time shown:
12.56
